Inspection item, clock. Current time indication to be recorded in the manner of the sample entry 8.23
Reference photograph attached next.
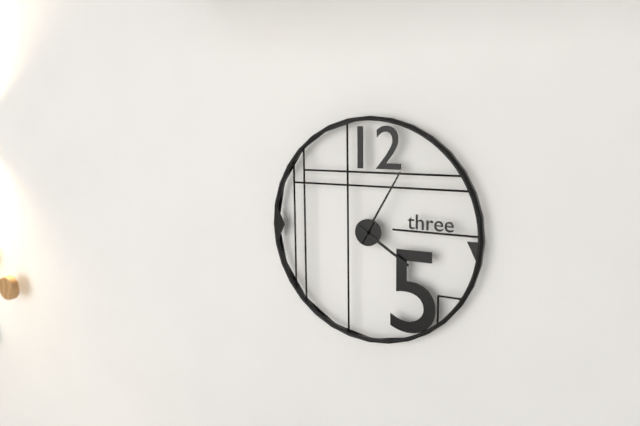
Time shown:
4.05
